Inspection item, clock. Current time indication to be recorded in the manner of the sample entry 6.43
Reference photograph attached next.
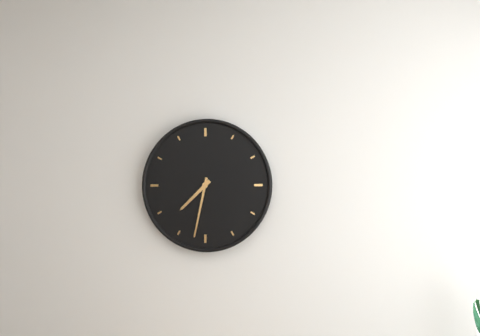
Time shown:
7.32
